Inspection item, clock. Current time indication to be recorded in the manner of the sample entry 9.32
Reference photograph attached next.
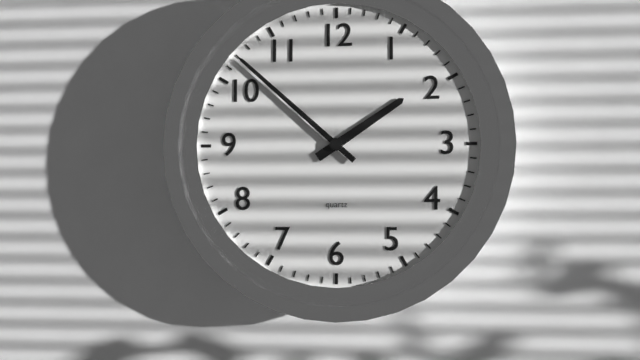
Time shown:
1.52
